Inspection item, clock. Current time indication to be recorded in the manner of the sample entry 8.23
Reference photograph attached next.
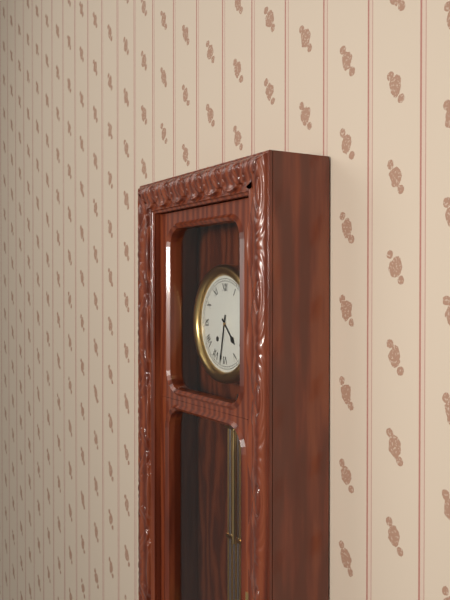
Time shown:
4.32
